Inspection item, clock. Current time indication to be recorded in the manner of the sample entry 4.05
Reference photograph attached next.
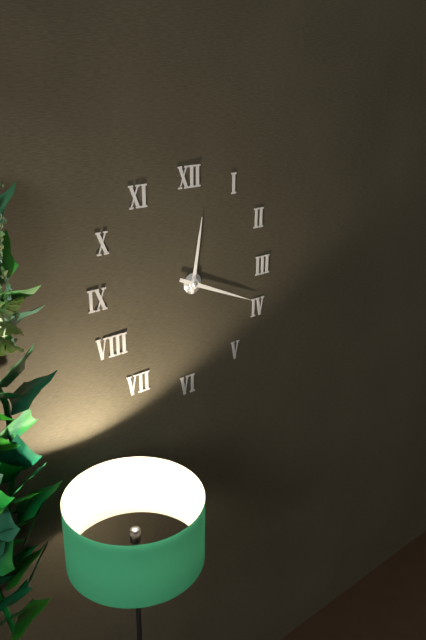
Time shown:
12.19
